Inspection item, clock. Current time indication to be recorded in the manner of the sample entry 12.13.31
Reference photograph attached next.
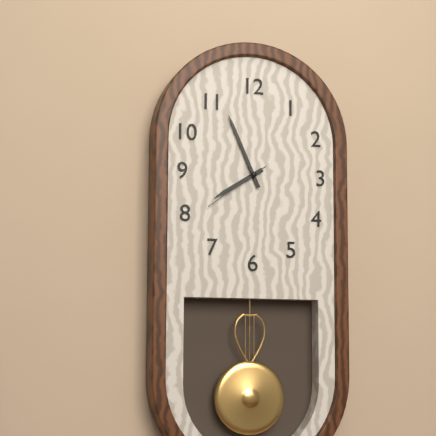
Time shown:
7.56.39
